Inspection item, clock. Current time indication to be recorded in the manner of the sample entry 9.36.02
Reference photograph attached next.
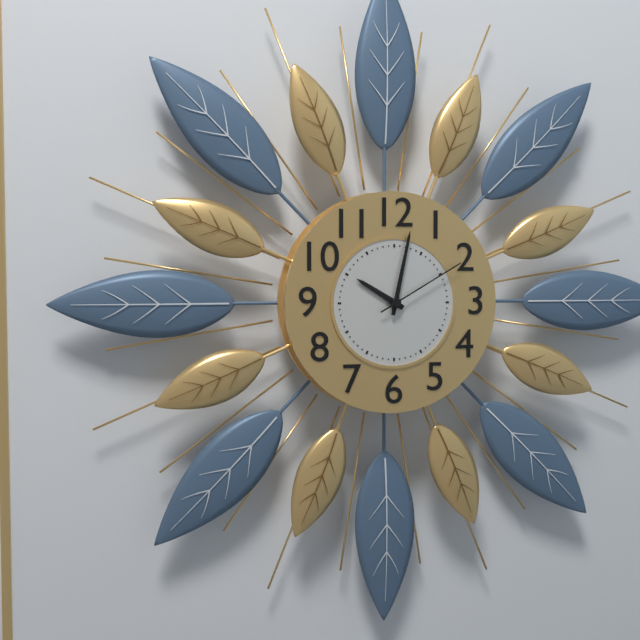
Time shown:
10.02.10
